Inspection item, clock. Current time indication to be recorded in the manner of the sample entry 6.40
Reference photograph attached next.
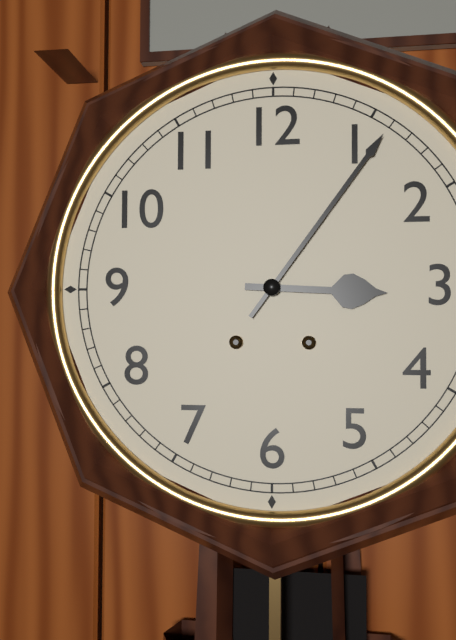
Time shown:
3.06
